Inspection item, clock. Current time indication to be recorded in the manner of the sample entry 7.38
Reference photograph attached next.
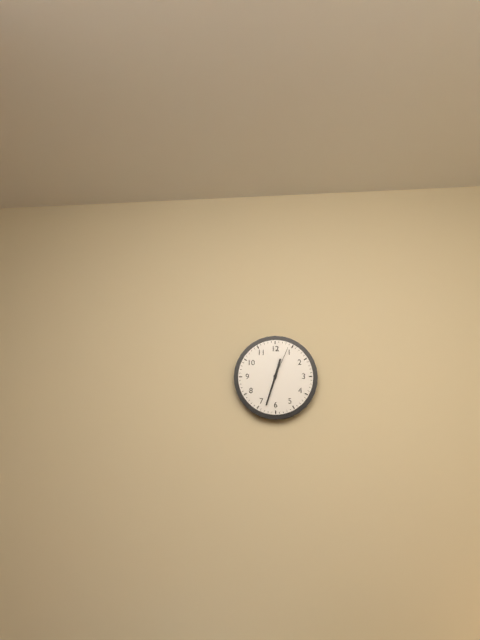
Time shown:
12.33
